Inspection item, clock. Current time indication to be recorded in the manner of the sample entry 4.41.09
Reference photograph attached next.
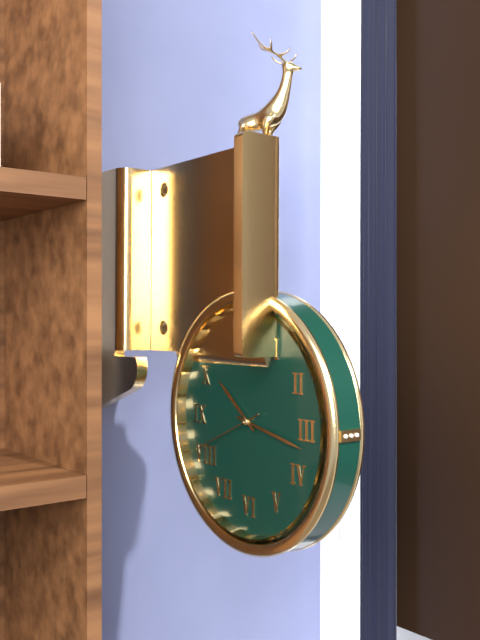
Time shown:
10.17.41
